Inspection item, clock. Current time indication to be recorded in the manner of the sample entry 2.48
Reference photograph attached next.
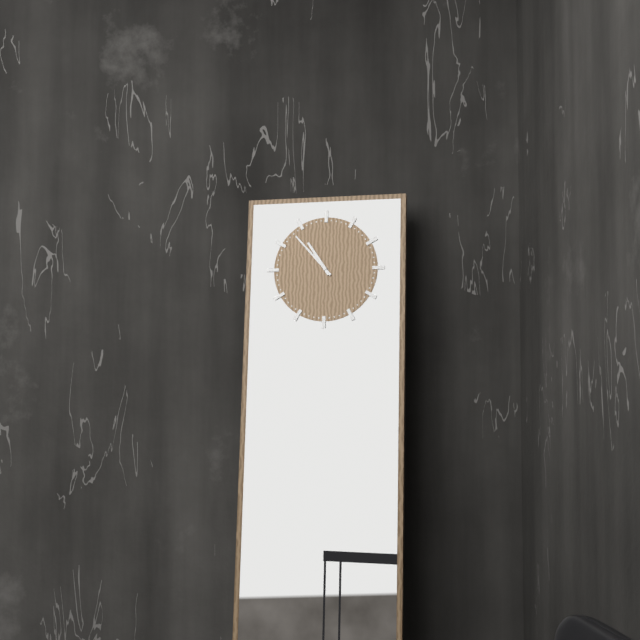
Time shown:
10.53
